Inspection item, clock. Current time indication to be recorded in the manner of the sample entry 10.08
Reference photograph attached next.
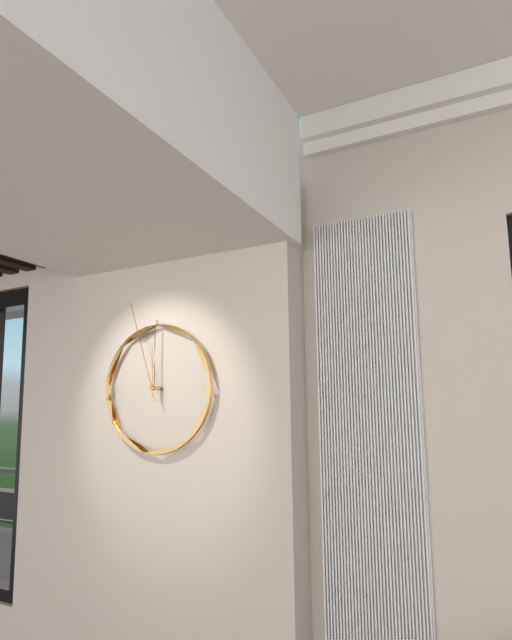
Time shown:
11.57
